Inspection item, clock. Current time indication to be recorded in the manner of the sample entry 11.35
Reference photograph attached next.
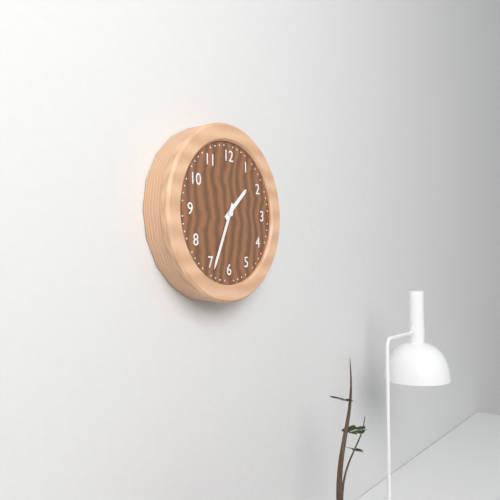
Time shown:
1.34
